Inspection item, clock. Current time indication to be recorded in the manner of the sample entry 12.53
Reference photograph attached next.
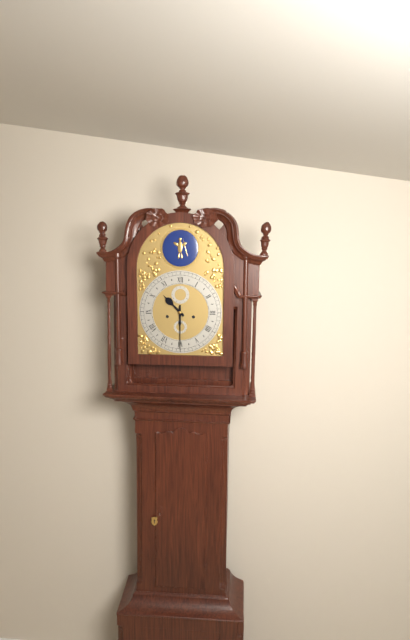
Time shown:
10.30
